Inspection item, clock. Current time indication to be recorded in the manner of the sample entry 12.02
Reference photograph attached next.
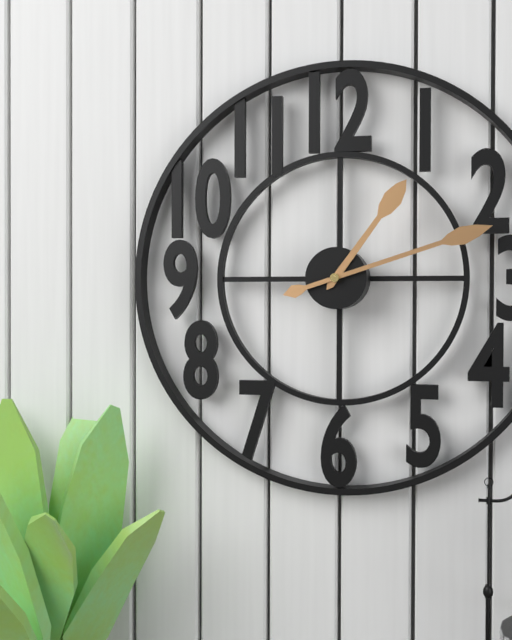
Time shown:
1.12
